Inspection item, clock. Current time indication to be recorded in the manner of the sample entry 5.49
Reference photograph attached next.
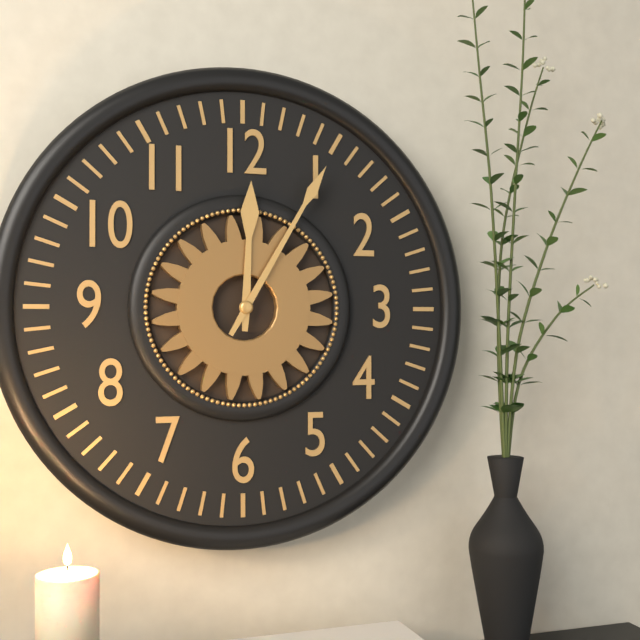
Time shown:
12.05
